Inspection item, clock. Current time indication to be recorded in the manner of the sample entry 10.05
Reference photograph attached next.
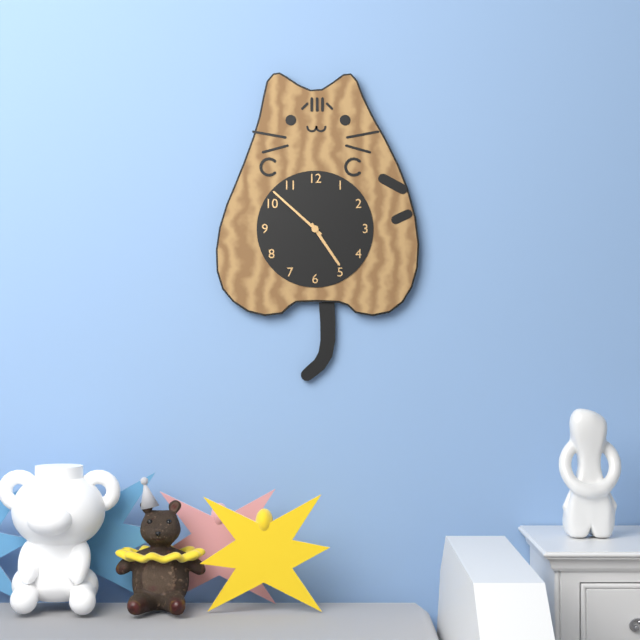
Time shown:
4.52
